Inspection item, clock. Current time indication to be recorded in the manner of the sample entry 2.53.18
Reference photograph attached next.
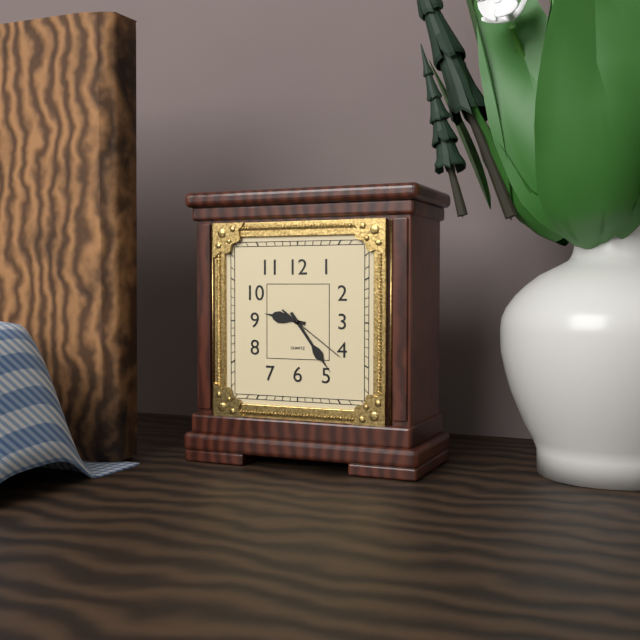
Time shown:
9.24.21
